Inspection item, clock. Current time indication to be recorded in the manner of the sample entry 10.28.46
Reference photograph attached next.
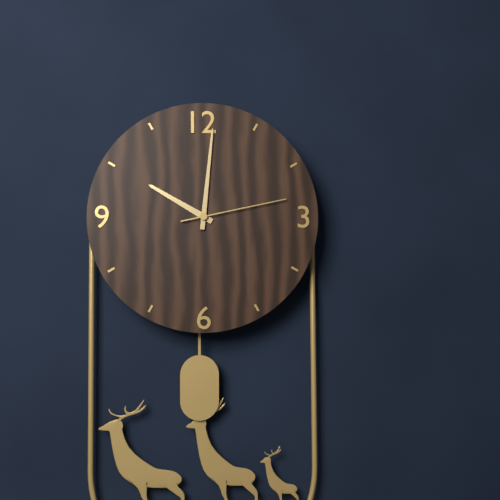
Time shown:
10.01.13
